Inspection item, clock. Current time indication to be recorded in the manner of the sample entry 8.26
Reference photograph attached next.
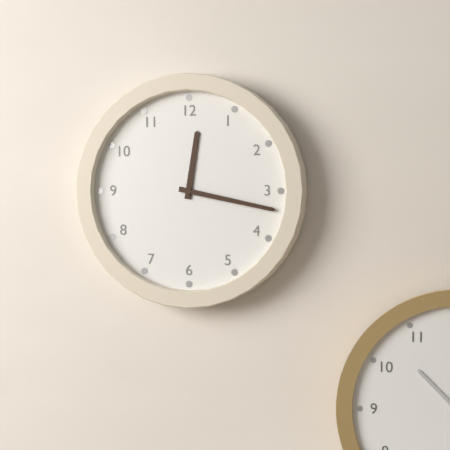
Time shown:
12.17
